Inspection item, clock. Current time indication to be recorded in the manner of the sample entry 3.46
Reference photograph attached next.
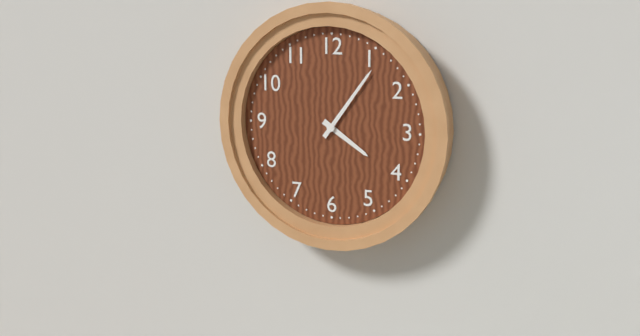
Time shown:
4.06
